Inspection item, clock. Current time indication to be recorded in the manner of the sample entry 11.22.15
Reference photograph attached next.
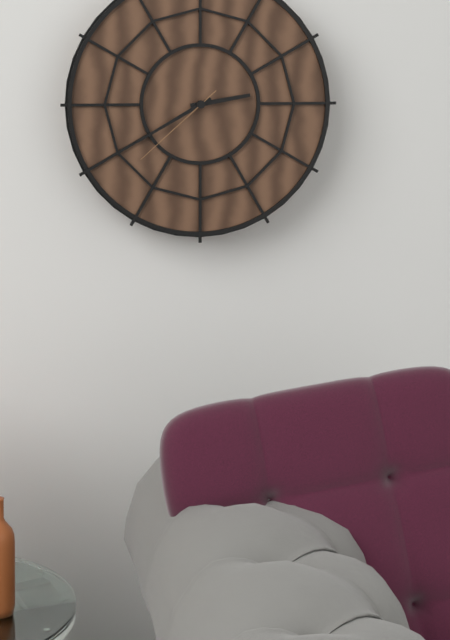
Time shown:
2.40.38
